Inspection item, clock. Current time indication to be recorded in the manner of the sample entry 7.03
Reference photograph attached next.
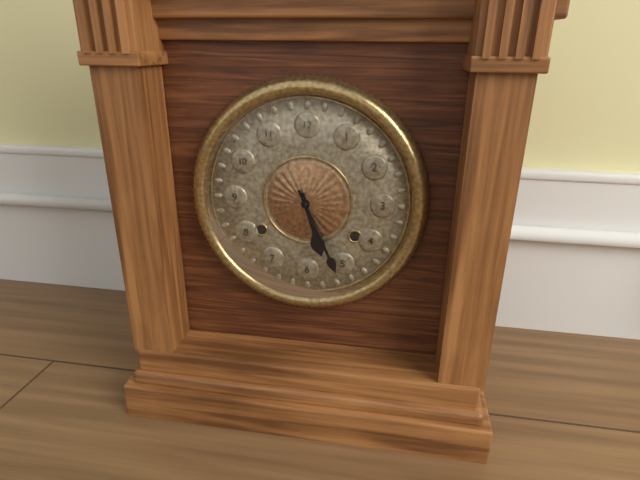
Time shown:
5.26
